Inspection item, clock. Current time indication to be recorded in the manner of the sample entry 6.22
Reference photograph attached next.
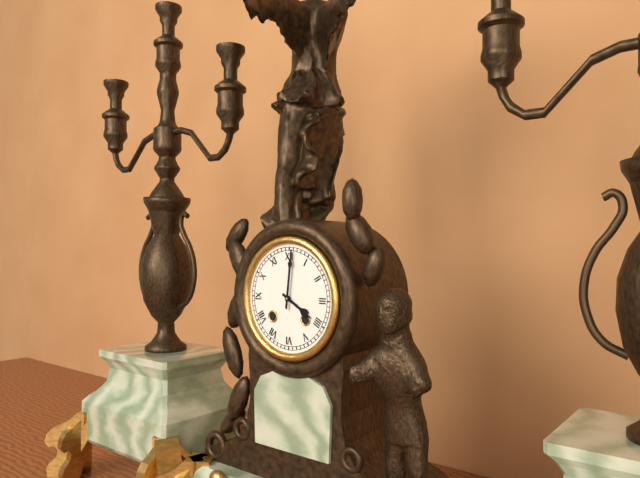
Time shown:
4.01
